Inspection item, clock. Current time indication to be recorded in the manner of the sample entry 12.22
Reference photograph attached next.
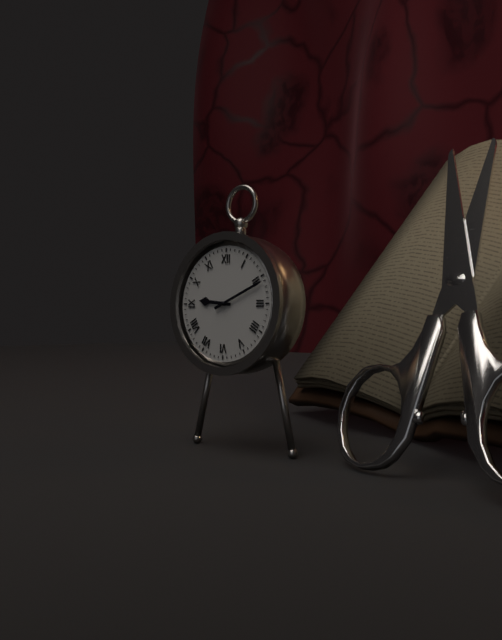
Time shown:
9.11
